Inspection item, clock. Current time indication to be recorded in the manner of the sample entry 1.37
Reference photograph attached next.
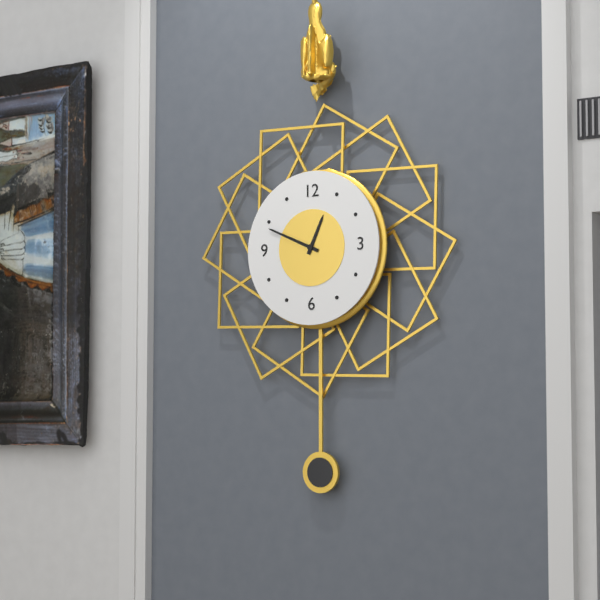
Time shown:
12.49
